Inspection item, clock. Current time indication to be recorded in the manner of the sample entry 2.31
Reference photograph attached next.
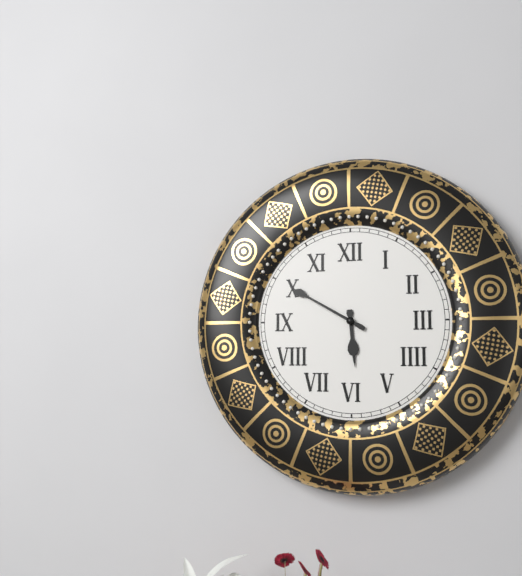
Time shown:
5.50
